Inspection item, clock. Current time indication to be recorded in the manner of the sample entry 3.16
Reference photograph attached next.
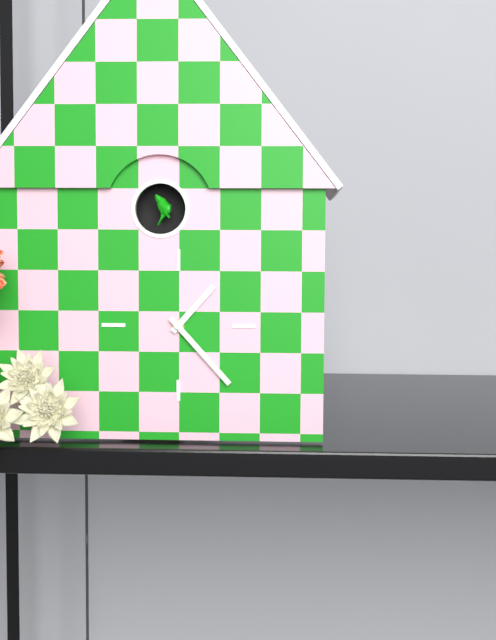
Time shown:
1.23
